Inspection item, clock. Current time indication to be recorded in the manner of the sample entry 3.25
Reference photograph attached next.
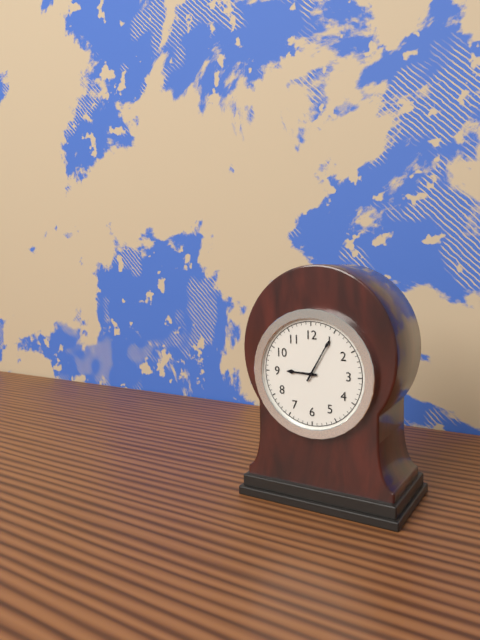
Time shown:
9.05
